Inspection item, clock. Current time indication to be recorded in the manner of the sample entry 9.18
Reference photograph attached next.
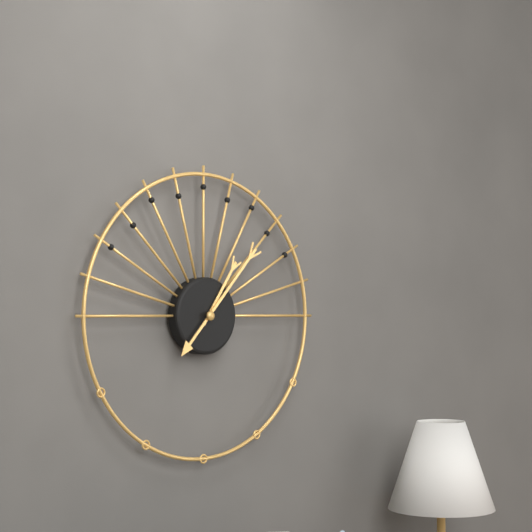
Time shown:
1.07
